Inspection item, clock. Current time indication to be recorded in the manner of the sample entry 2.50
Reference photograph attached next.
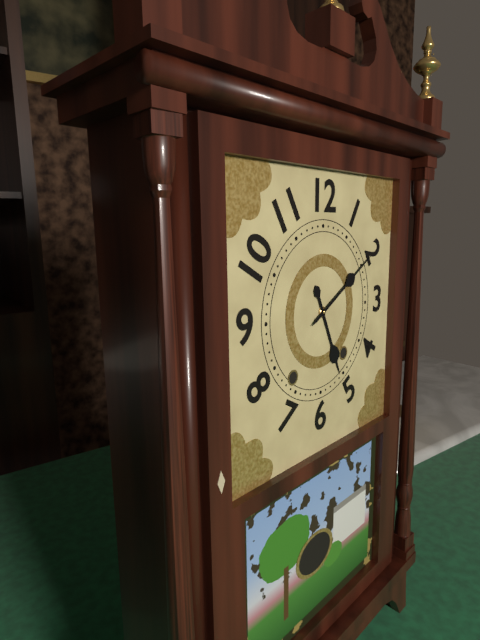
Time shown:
5.10
